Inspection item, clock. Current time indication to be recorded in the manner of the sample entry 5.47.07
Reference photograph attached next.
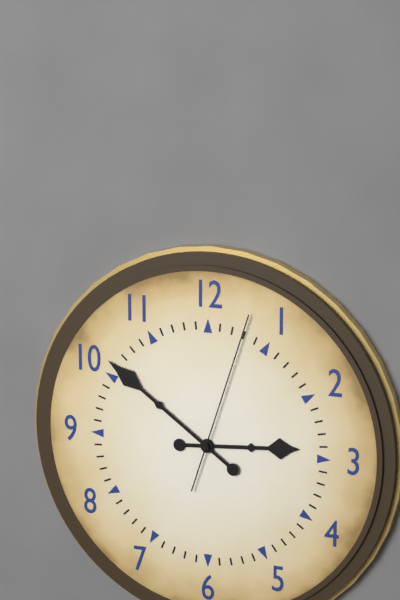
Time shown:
2.51.03
